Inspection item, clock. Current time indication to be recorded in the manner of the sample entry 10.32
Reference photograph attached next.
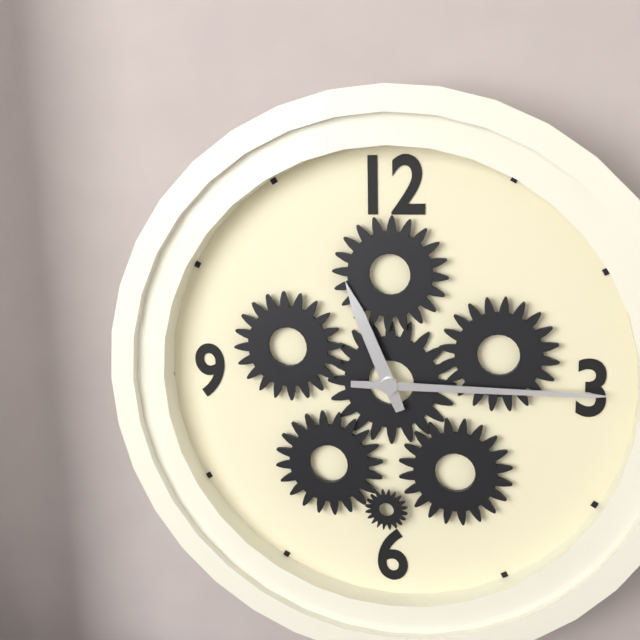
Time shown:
11.15
